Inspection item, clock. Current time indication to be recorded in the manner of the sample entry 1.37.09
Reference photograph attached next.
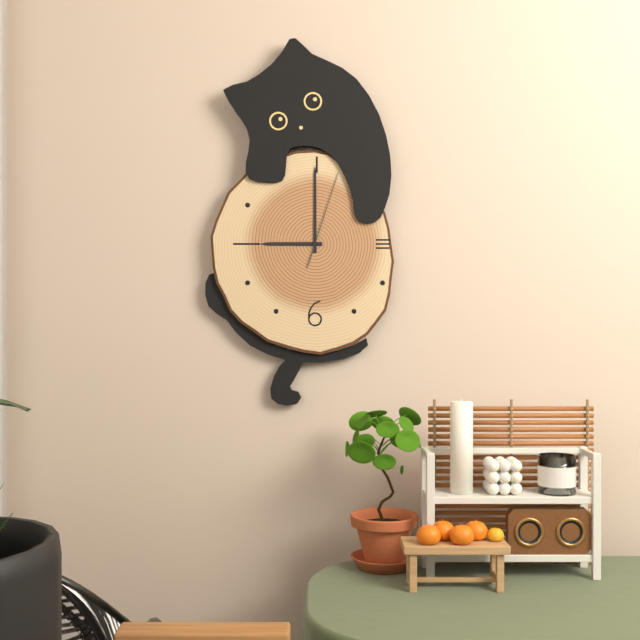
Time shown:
9.00.03
